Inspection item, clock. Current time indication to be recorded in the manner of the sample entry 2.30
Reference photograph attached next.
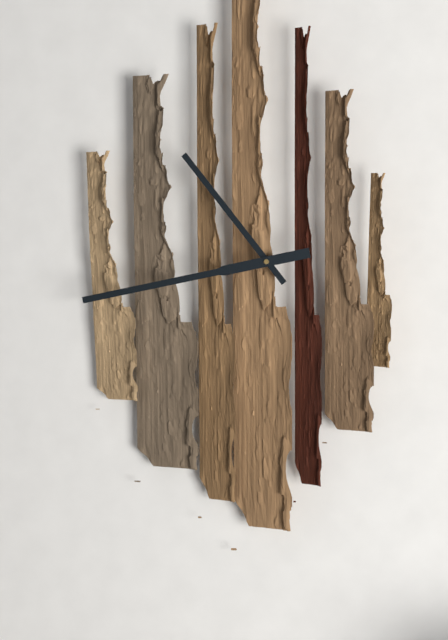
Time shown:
10.43
